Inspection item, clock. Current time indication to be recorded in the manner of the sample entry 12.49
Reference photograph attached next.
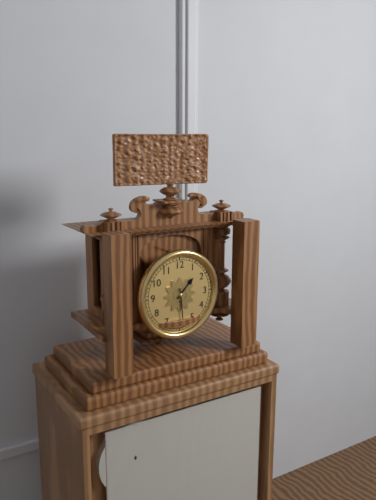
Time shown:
1.29
